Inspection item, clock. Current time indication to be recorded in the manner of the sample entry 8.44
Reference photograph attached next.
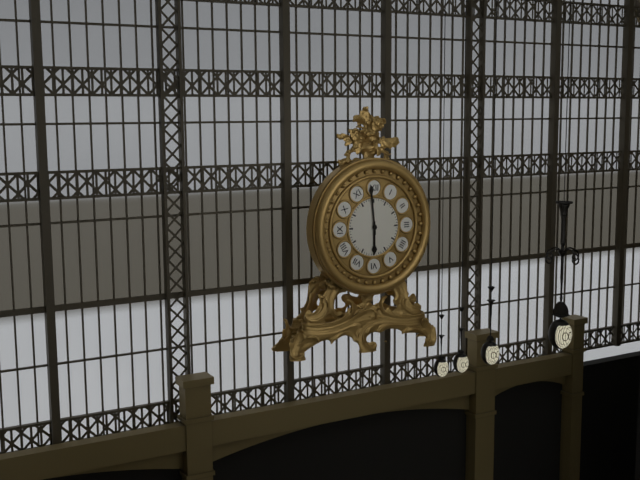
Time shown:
5.59
